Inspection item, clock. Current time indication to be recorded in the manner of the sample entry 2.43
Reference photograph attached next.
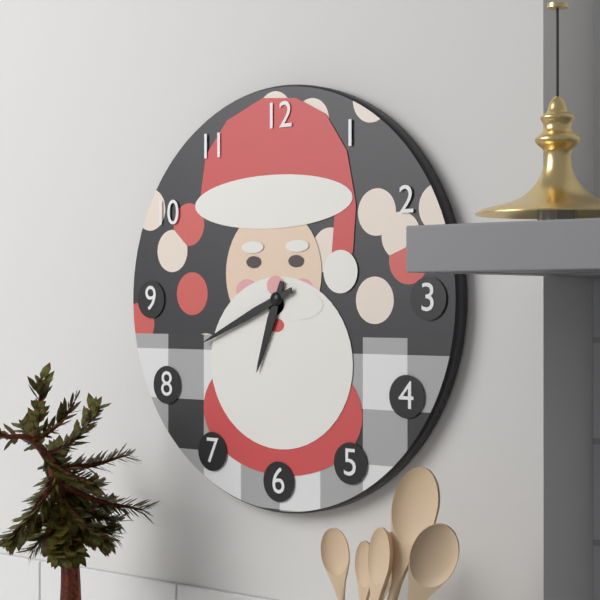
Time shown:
6.41
